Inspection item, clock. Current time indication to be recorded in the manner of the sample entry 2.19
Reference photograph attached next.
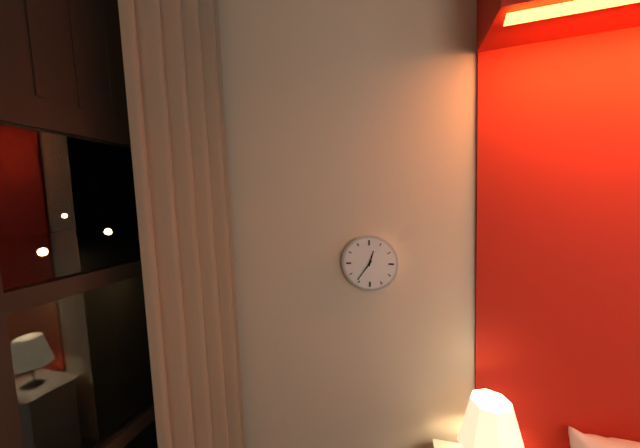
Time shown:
12.36
